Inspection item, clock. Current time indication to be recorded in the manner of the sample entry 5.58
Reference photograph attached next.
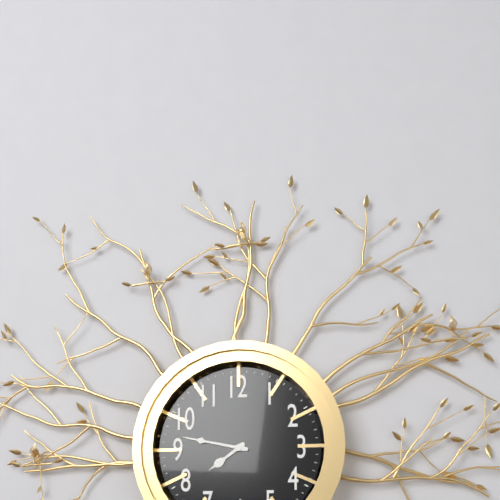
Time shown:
7.47
